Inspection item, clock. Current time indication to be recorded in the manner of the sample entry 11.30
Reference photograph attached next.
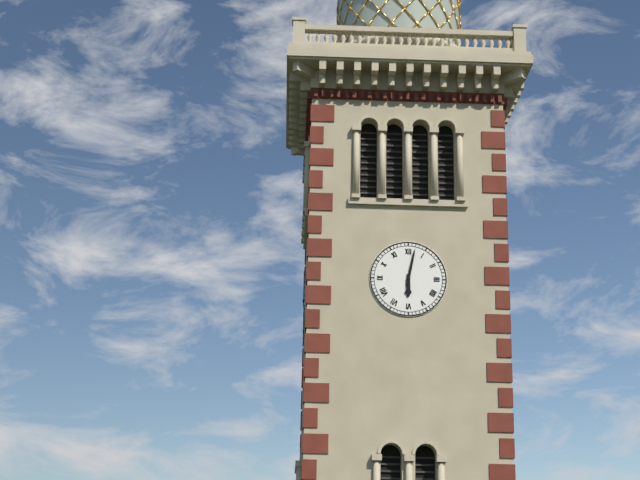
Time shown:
6.02
